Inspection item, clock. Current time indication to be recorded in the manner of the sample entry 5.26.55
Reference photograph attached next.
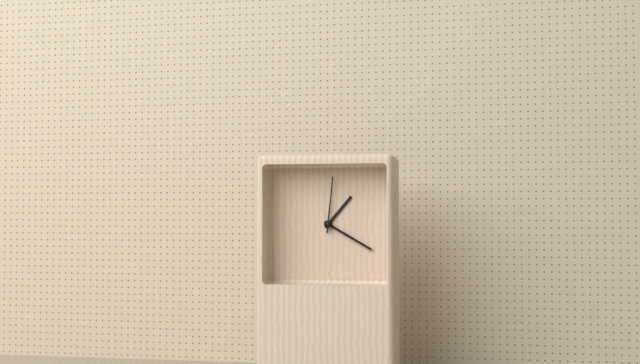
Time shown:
1.20.01
